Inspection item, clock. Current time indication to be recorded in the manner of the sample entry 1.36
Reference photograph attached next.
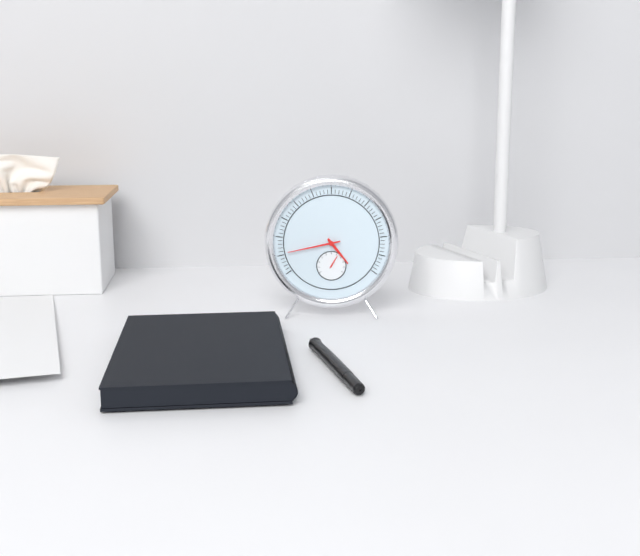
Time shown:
4.43
